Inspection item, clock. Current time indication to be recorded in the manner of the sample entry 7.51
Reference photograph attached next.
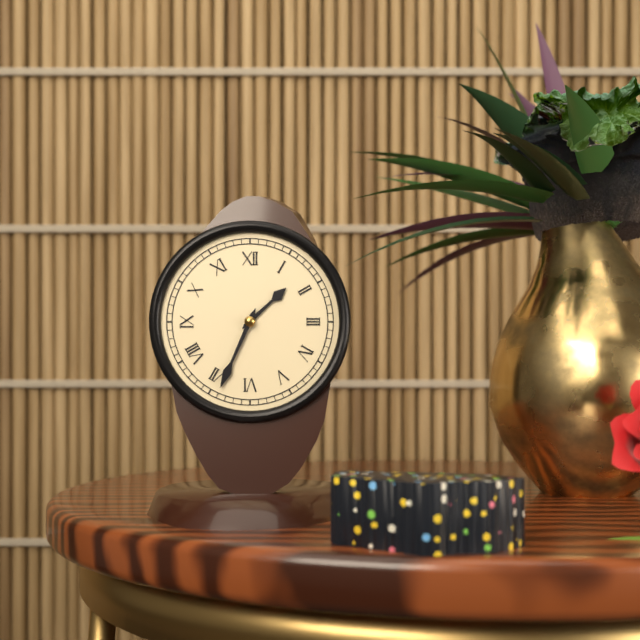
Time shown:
1.34
